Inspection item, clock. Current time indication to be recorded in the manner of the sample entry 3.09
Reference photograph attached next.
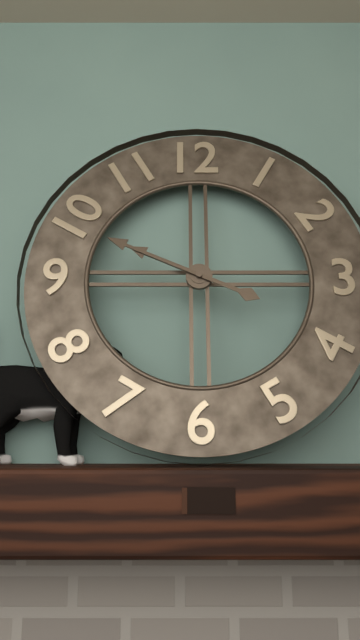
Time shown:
9.49
